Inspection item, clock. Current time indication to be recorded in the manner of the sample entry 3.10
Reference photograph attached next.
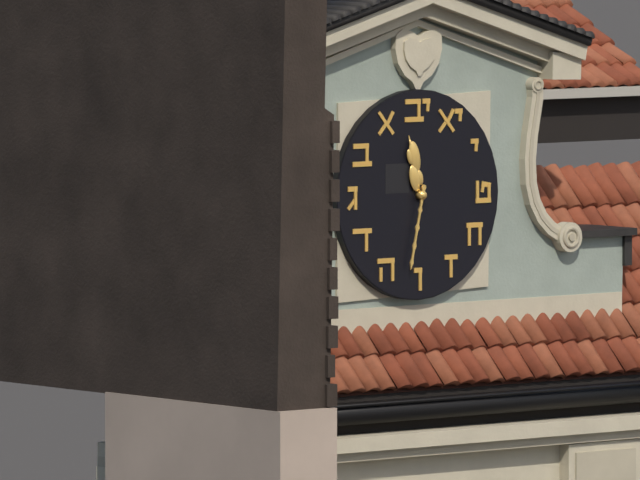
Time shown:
11.32
